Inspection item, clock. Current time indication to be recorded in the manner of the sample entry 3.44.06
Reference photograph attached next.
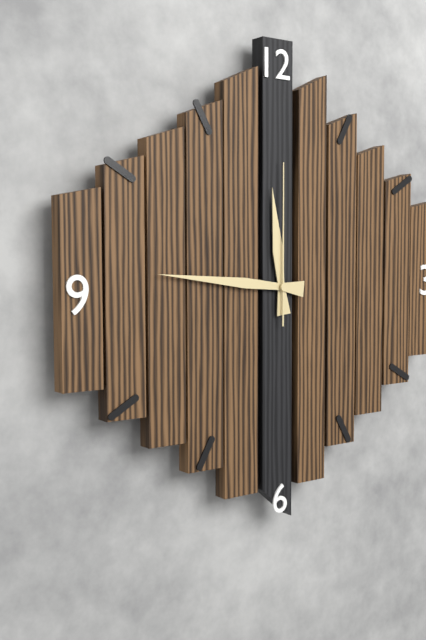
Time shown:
11.46.00
